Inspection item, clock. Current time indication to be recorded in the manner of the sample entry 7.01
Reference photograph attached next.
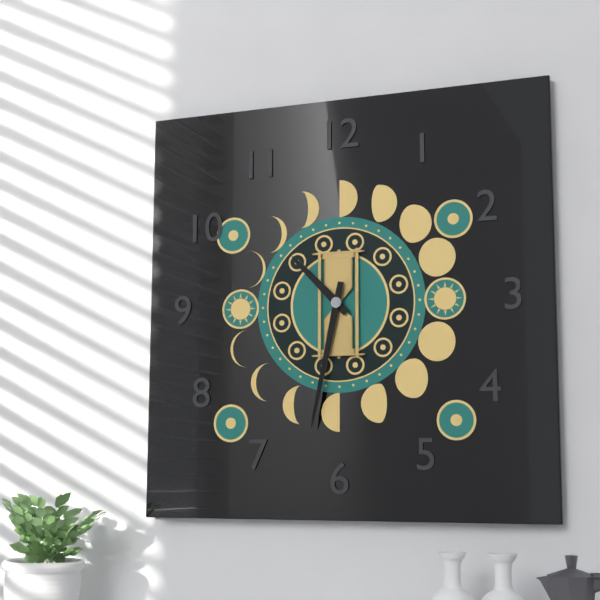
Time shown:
10.32
